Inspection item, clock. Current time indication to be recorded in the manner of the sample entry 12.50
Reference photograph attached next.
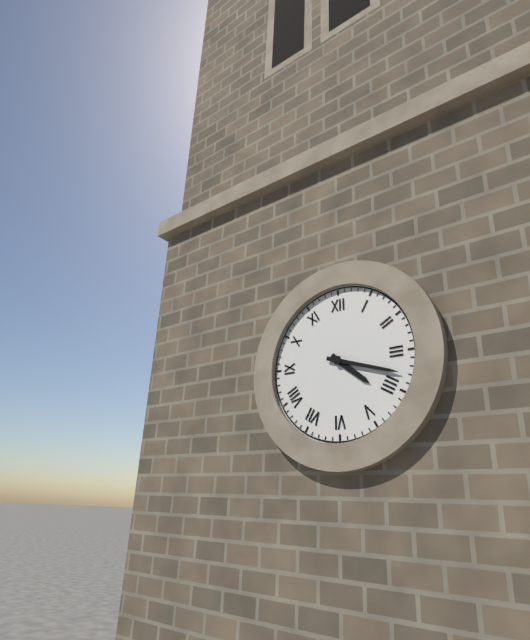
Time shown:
4.18
